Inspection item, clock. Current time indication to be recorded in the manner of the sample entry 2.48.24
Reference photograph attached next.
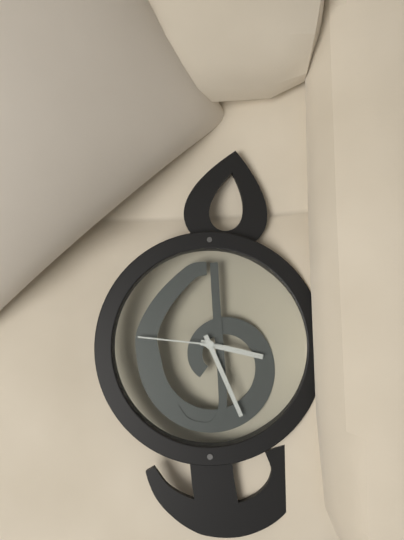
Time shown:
3.26.46
